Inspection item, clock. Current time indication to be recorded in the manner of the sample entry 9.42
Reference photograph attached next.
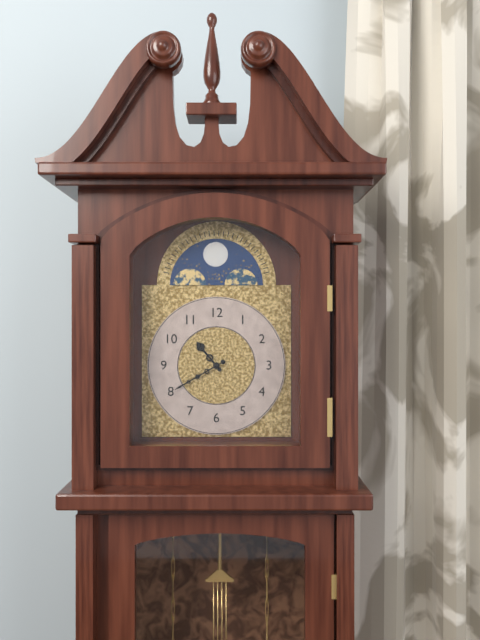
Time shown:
10.40
